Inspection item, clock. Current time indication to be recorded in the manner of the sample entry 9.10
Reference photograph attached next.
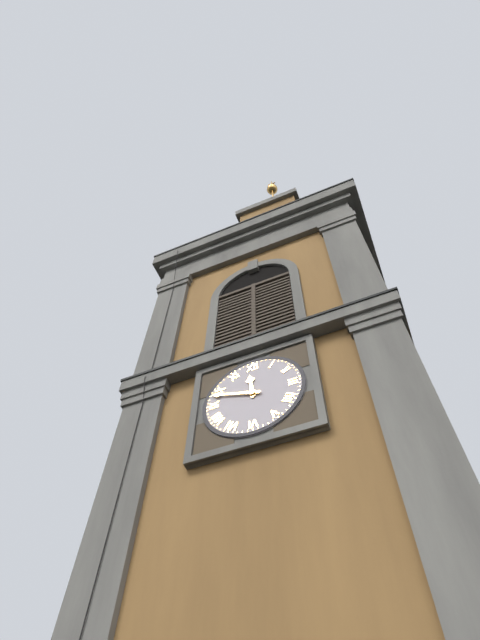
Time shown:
11.48
